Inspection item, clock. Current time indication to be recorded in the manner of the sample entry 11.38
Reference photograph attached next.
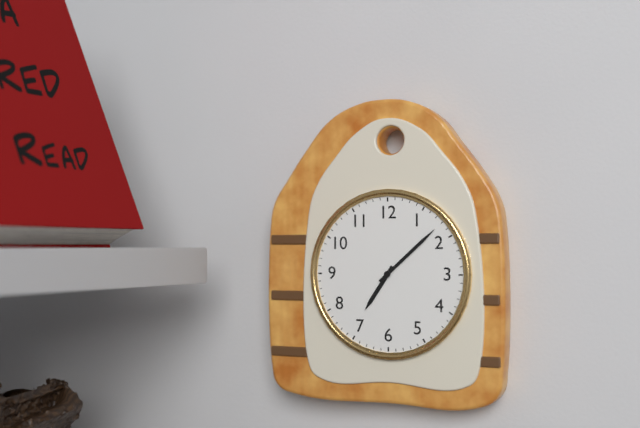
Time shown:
7.08
